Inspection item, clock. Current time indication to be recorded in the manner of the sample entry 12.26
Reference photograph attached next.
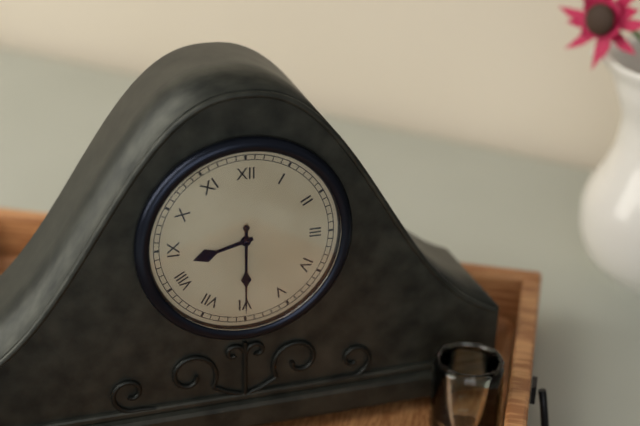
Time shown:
8.30
